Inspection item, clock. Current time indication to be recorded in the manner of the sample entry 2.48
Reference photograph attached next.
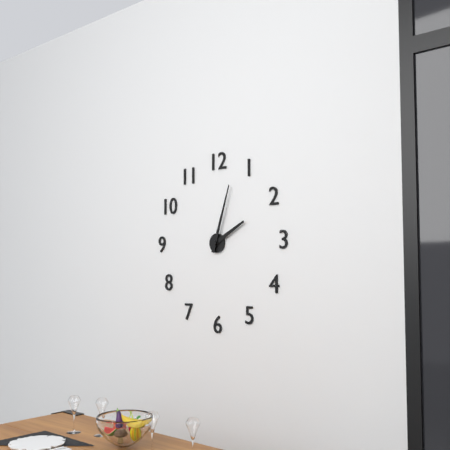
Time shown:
2.03
